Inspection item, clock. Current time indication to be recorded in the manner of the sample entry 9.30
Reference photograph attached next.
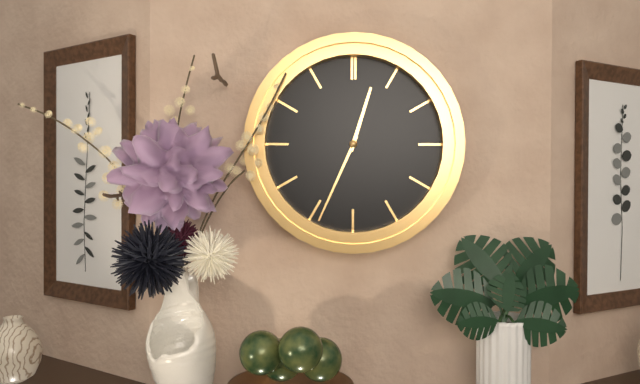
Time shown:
12.34
